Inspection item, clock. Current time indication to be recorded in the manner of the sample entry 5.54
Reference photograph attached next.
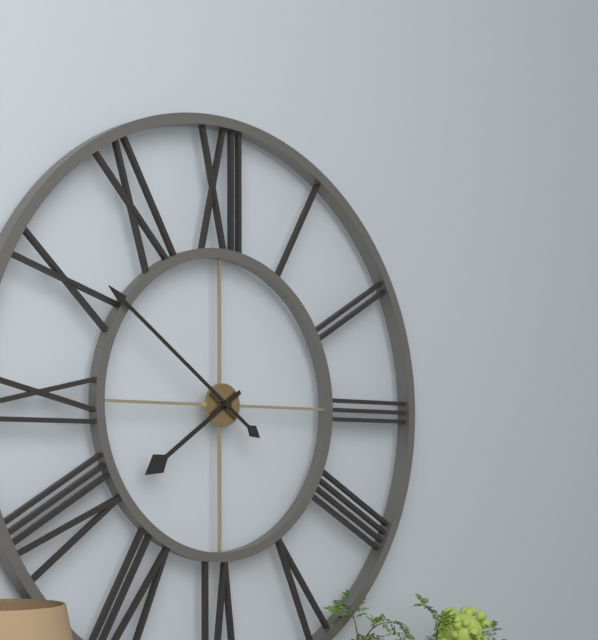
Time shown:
7.51
